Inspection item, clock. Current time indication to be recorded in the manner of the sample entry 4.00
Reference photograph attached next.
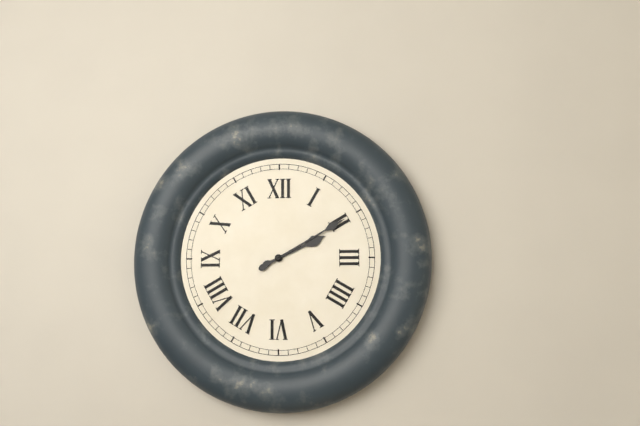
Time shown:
2.10
